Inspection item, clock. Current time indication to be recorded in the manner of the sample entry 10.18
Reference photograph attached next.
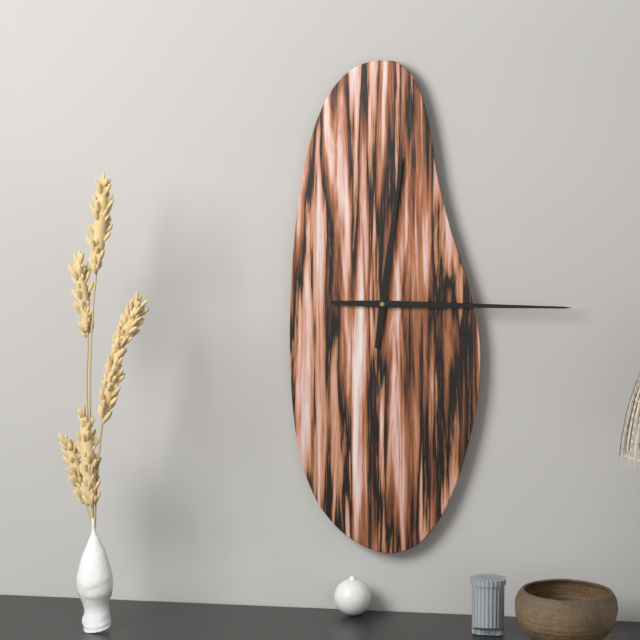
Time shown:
12.15
